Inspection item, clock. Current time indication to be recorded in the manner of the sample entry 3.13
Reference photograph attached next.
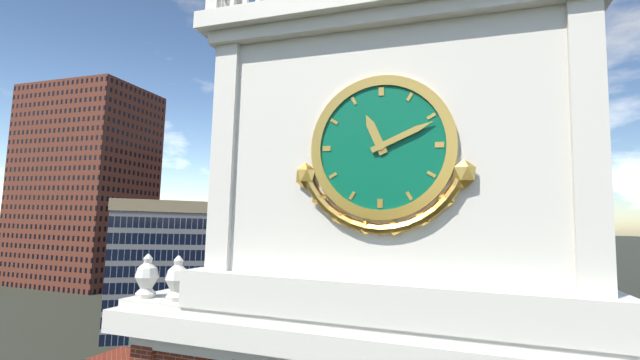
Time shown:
11.11
